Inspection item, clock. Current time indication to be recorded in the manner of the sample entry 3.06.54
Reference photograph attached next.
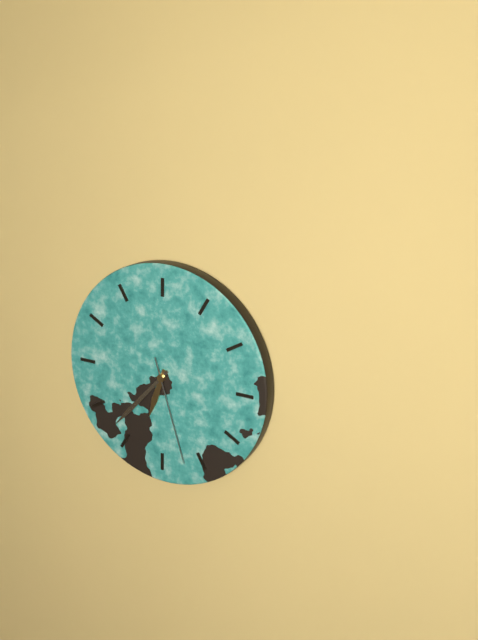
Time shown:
6.37.27
